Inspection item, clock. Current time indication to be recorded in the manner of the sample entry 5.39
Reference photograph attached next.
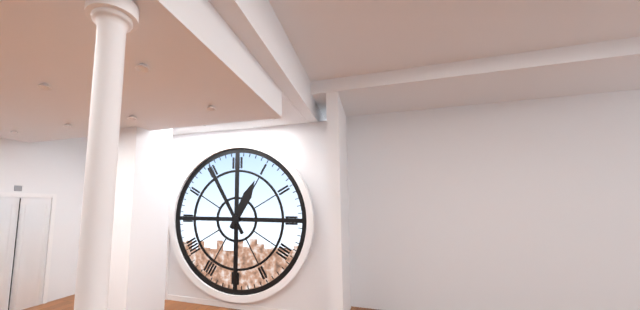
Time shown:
12.55
